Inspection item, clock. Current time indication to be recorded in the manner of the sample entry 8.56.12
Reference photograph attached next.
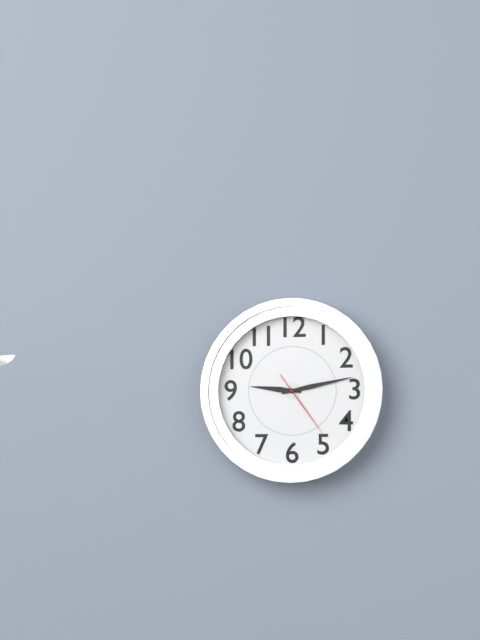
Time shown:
9.13.24
